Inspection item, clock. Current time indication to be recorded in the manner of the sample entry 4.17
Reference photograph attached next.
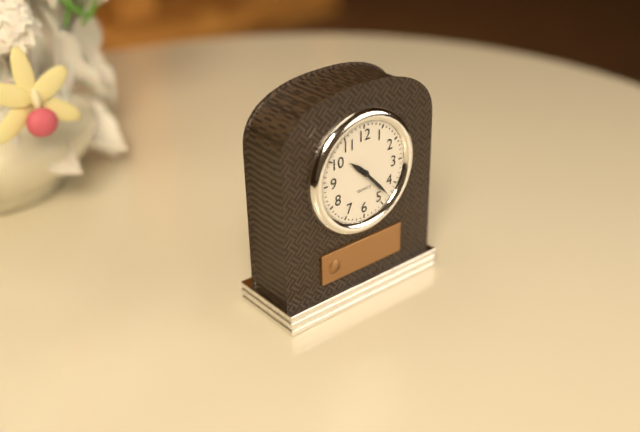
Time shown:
10.23
